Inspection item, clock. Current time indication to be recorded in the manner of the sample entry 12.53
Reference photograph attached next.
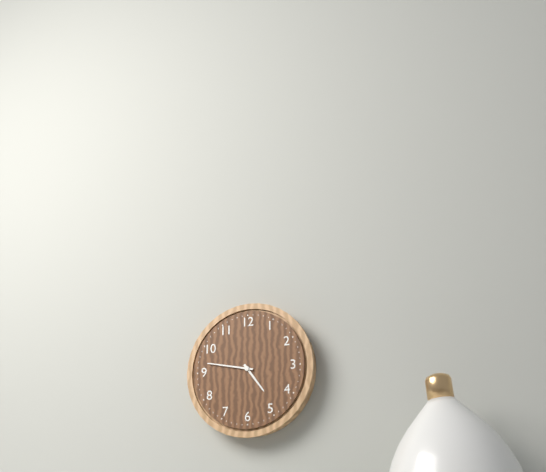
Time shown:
4.47
